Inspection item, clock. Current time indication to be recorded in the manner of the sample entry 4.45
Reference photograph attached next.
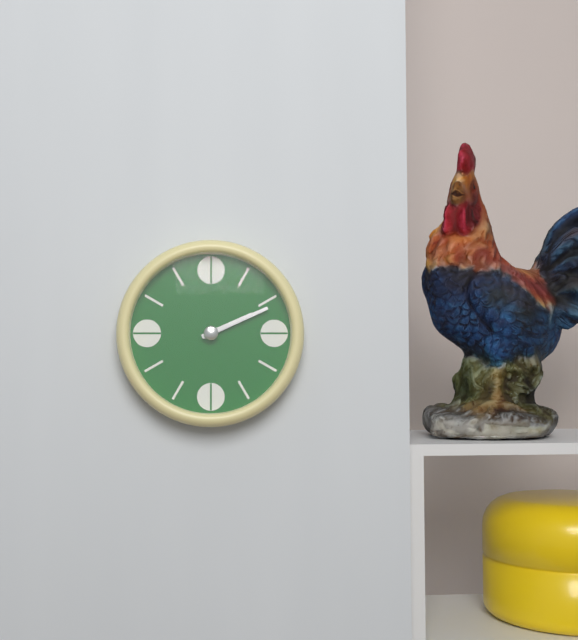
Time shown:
2.11
